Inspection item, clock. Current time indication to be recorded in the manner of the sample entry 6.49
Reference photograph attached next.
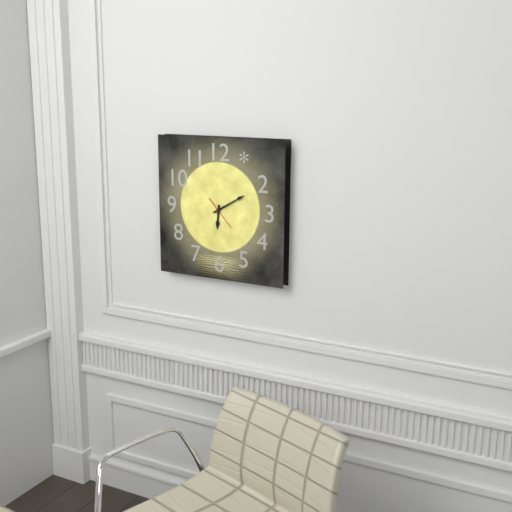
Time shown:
6.10
